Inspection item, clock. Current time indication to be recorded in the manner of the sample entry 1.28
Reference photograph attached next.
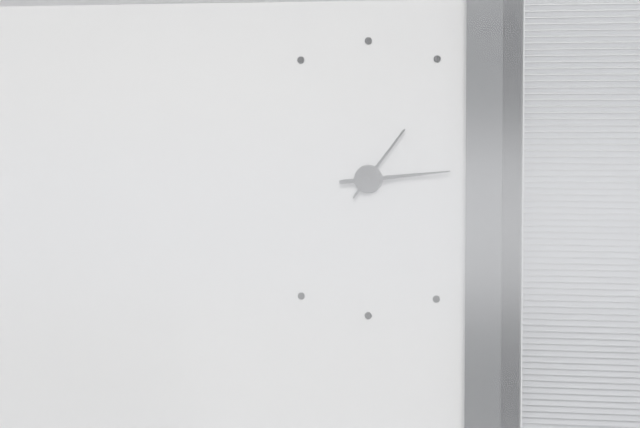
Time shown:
1.14
